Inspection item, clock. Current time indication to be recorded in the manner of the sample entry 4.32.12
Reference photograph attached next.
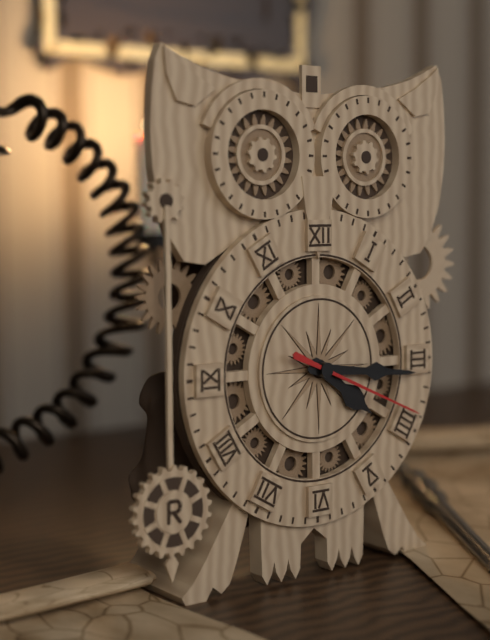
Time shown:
4.16.19
